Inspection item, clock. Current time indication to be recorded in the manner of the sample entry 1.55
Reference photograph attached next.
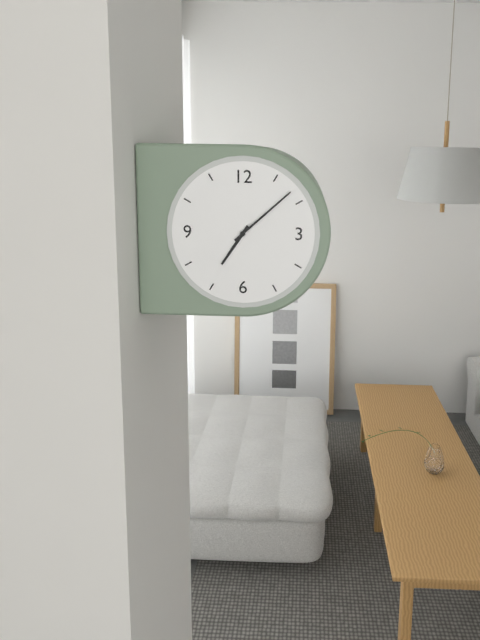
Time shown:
7.08
